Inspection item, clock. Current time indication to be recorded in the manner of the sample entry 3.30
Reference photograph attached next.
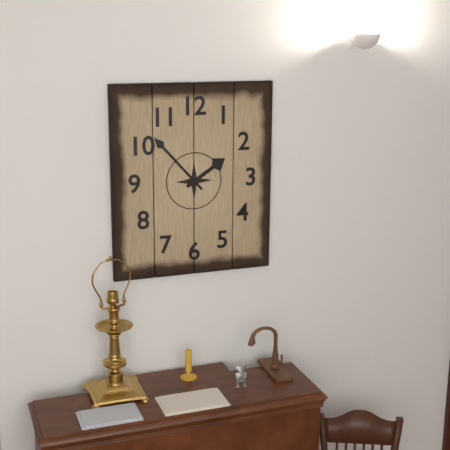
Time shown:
1.53
